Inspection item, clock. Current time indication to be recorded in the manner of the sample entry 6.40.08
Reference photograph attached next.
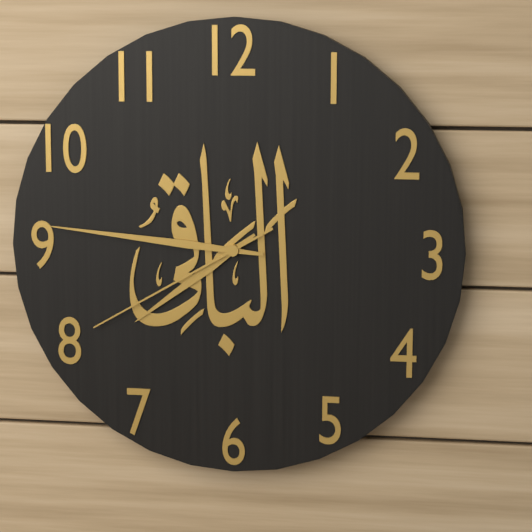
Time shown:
7.46.40
